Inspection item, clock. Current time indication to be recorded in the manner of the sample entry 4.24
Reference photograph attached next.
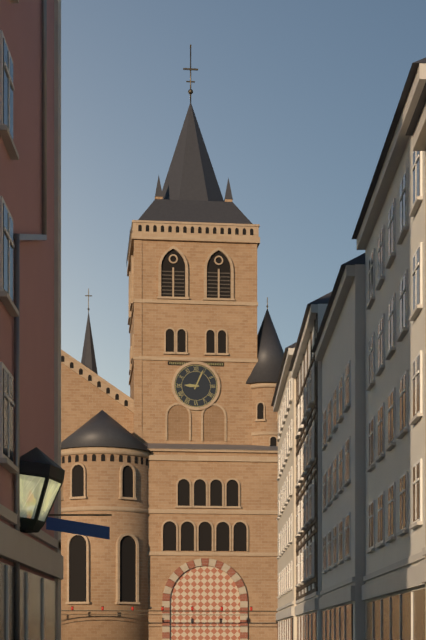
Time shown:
9.04
